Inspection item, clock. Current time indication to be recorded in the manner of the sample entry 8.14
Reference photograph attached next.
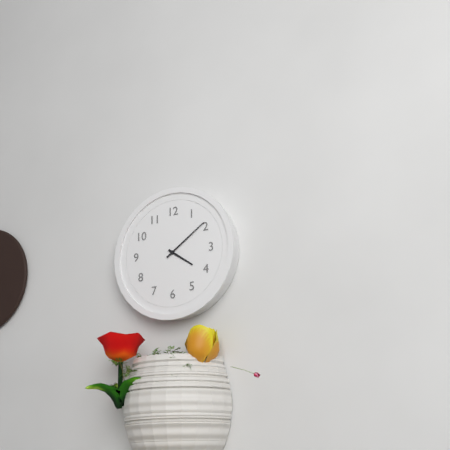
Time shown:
4.09
